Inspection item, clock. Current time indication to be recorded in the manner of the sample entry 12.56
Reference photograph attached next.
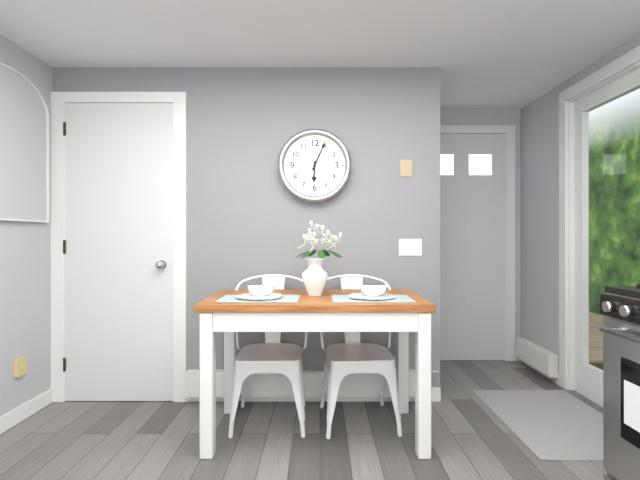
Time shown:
6.04
